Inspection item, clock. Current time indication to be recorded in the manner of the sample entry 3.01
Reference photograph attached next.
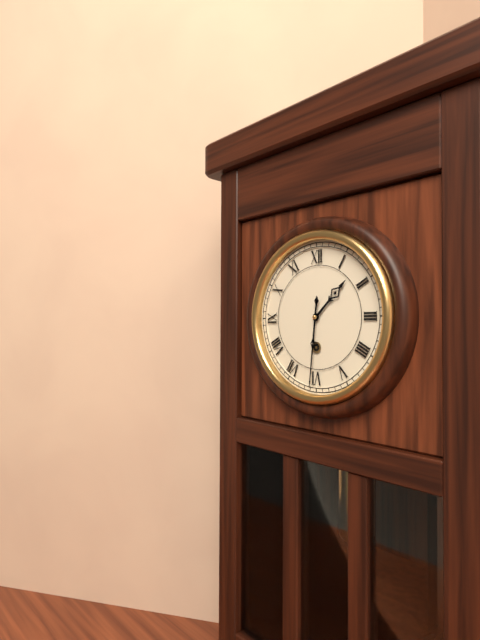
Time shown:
1.31
